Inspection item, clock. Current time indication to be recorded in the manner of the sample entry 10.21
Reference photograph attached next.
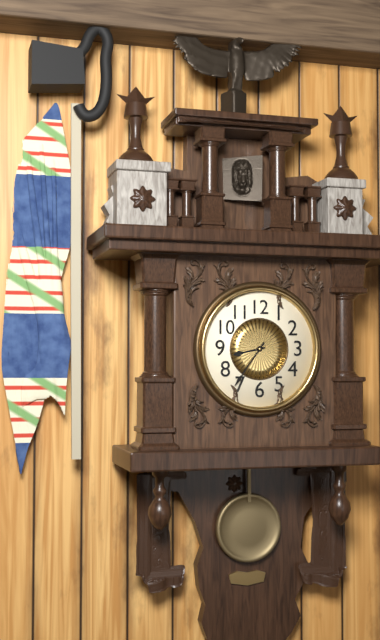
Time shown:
8.36
